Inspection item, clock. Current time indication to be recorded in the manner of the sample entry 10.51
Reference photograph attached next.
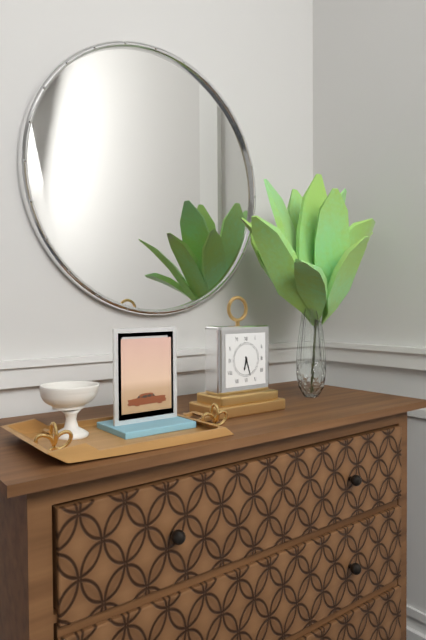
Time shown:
6.27
